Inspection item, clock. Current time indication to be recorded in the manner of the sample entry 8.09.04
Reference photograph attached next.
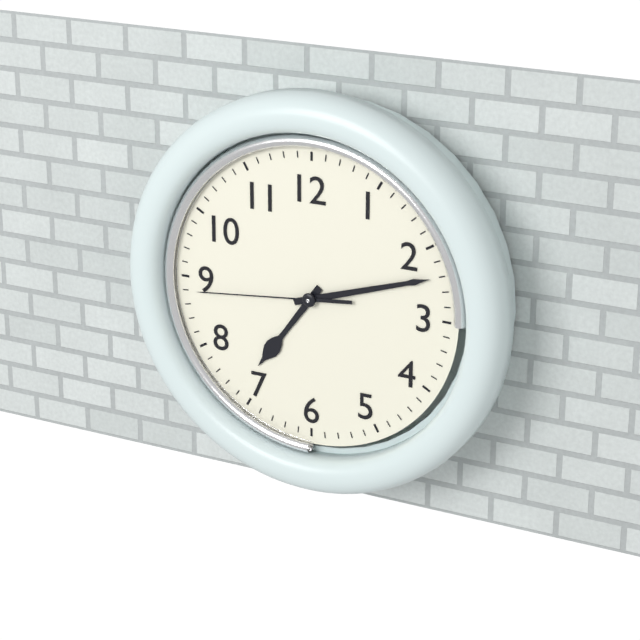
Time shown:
7.12.44
